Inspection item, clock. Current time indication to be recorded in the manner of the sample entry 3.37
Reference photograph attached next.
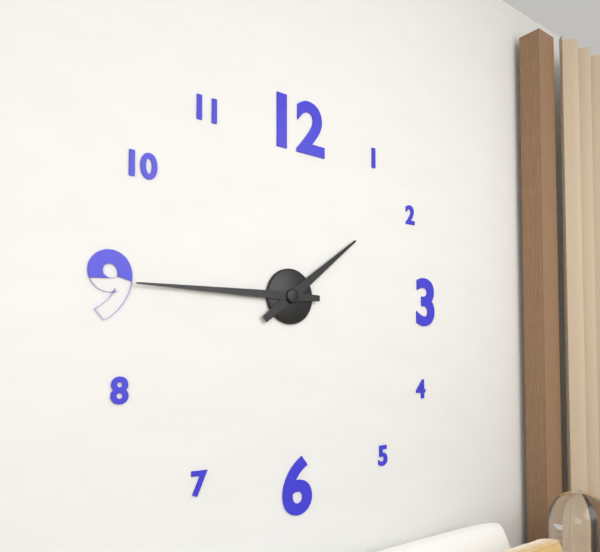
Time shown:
1.45
